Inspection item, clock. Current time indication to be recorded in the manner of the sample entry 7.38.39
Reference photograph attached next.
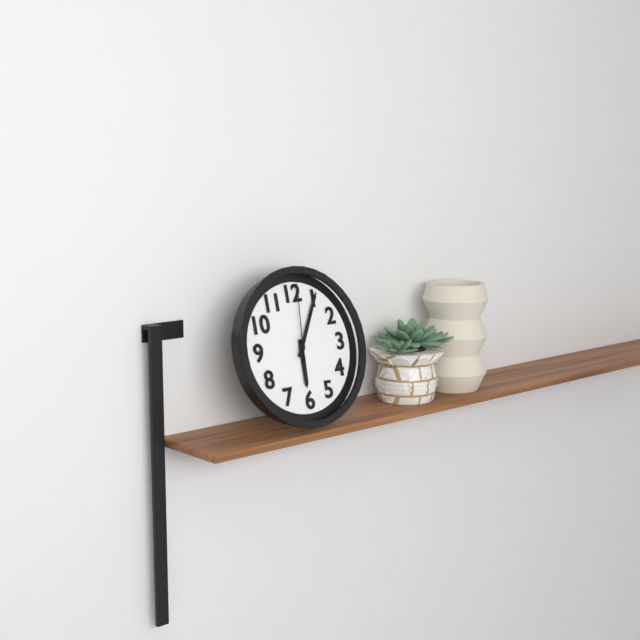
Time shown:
6.05.01
